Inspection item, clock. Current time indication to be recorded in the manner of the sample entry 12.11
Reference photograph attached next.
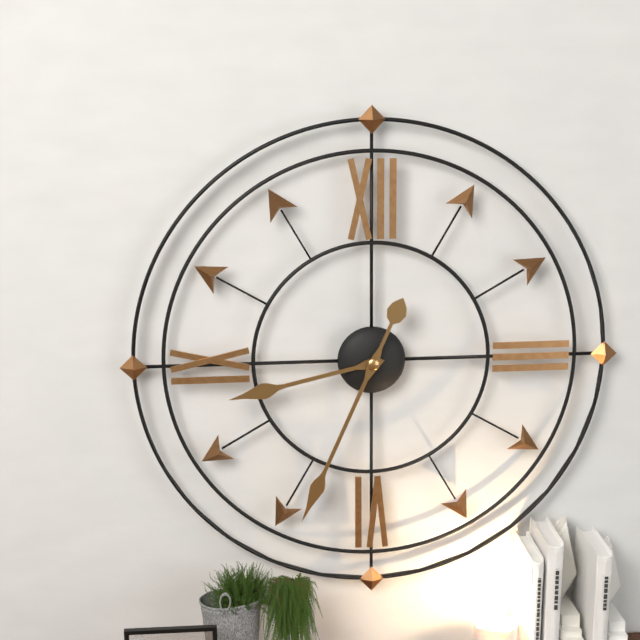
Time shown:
8.34
